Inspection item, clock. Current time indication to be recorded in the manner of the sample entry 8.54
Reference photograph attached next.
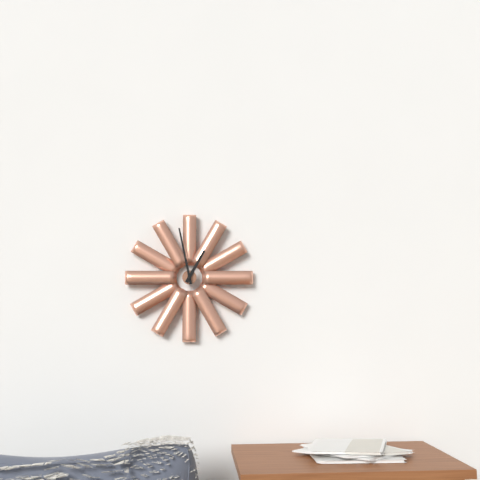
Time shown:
12.58
